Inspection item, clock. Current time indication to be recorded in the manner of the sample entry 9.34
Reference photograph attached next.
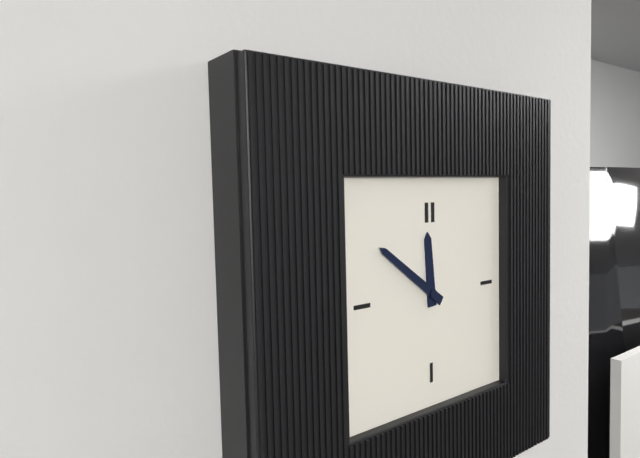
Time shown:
11.51
